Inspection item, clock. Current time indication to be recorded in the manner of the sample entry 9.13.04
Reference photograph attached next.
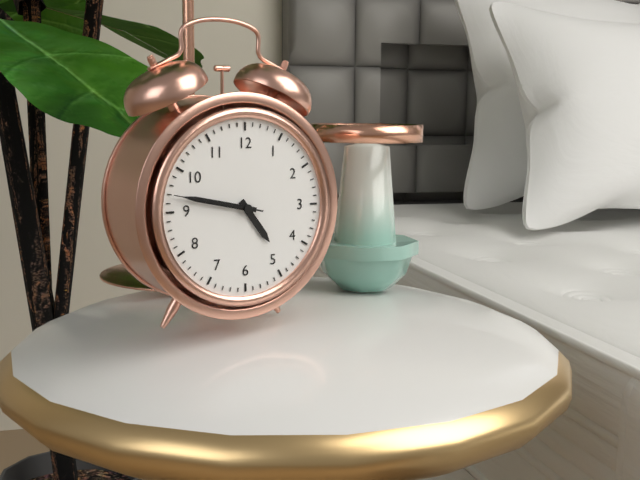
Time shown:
4.47.47
